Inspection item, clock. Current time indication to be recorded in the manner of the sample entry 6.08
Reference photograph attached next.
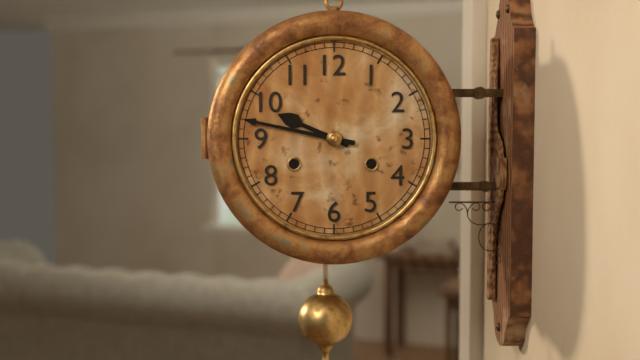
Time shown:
9.47
